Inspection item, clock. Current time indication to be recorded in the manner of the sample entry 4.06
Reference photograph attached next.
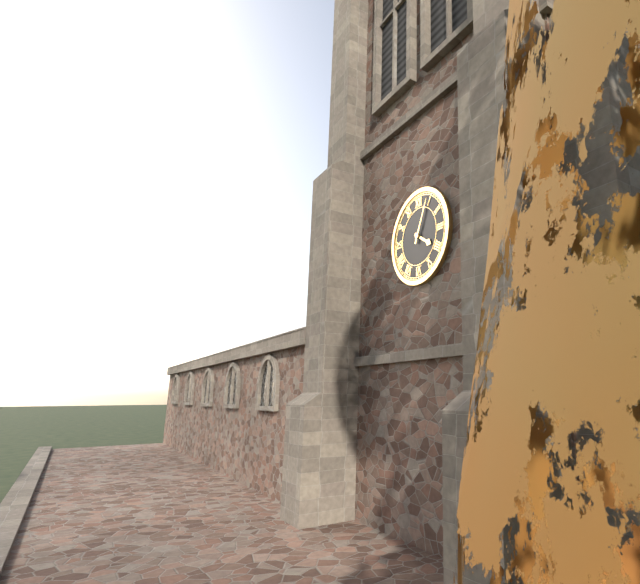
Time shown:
4.04
